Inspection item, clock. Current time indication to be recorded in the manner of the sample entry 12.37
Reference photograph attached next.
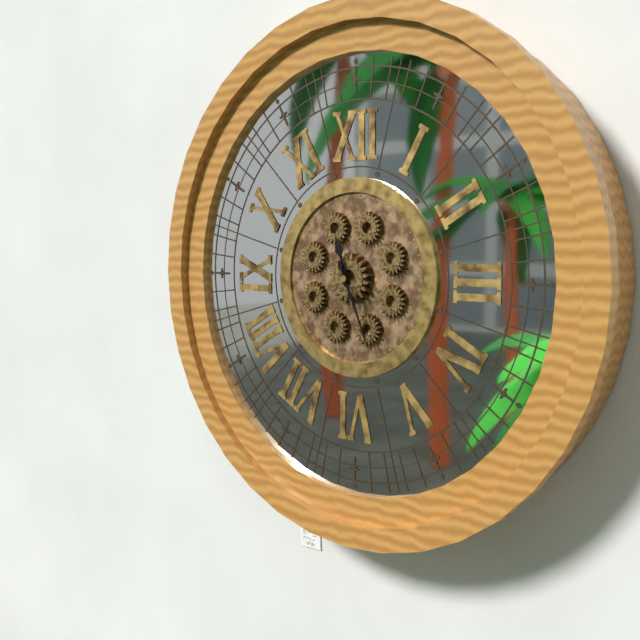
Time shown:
11.26
